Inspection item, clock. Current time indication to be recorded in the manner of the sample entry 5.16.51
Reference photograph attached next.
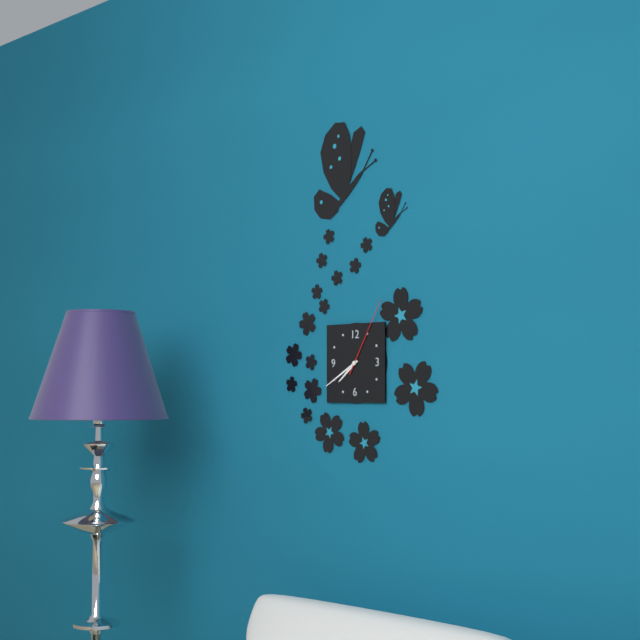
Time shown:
7.40.05
